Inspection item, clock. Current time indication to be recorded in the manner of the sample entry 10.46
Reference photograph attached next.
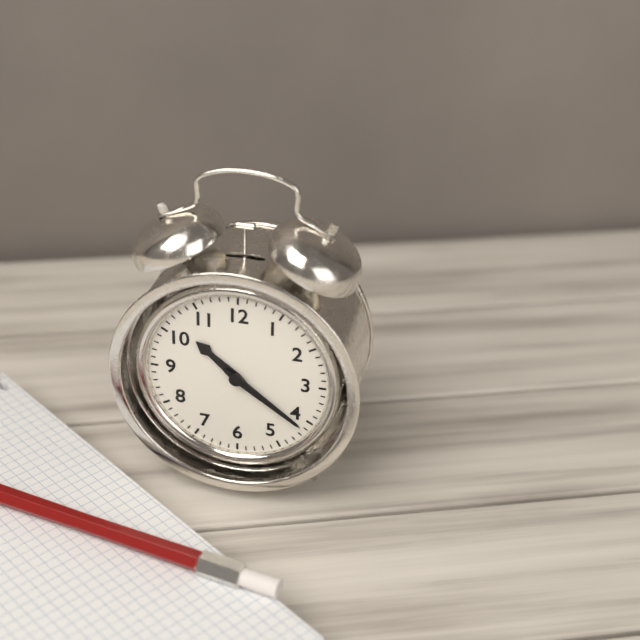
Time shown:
10.21
